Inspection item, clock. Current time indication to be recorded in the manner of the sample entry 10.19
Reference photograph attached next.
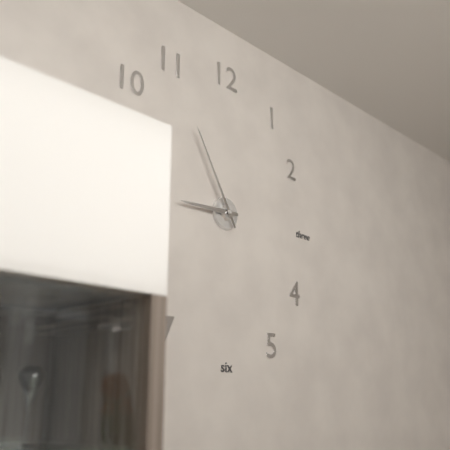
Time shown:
8.55
